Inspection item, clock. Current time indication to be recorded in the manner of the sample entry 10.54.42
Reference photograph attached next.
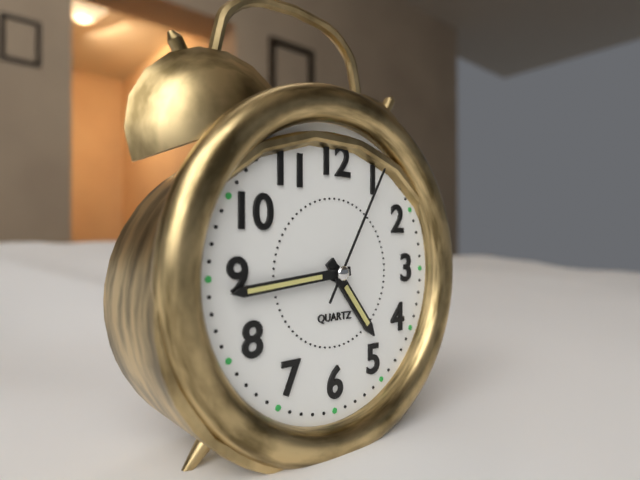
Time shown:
4.44.05
